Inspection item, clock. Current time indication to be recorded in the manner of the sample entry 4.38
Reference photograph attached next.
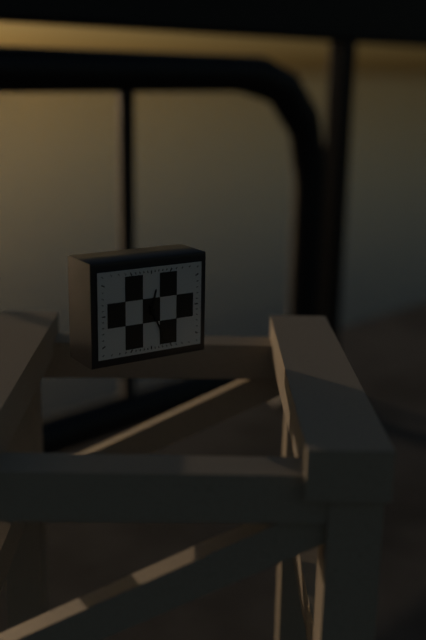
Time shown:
12.26
